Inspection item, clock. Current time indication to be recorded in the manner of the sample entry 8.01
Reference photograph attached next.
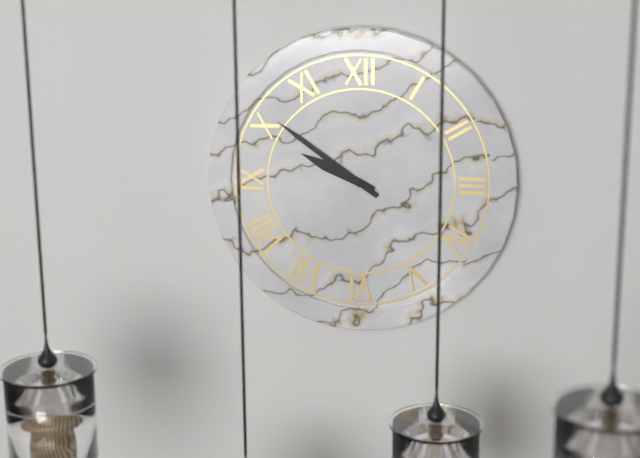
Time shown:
9.51
